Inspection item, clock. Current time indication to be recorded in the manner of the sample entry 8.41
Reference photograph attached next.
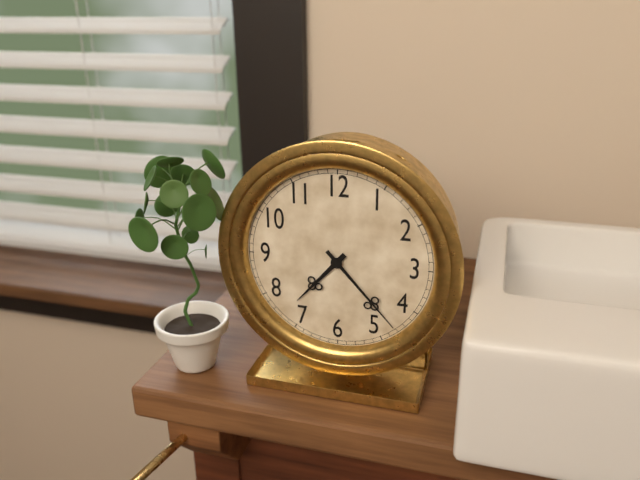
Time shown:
7.23
